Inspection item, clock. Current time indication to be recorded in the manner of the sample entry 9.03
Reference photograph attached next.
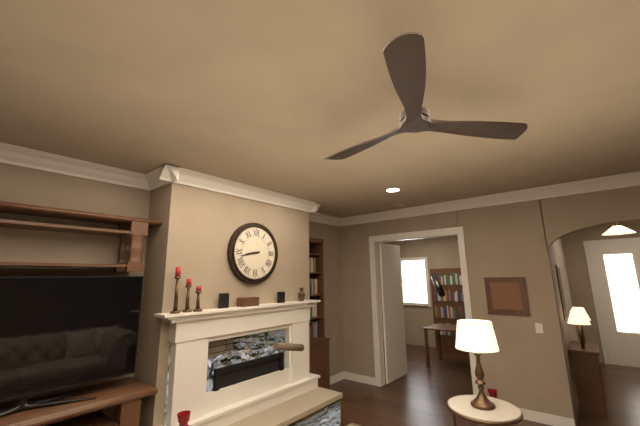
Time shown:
8.43
